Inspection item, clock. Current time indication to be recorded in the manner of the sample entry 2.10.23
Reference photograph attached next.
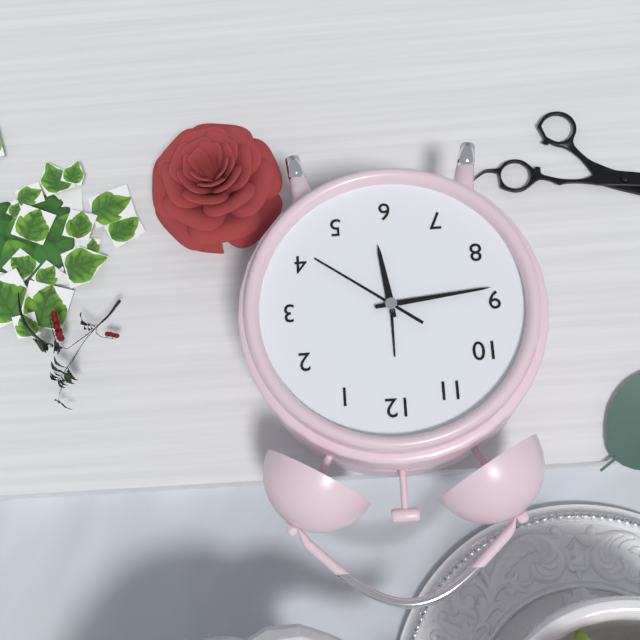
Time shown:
5.44.21
